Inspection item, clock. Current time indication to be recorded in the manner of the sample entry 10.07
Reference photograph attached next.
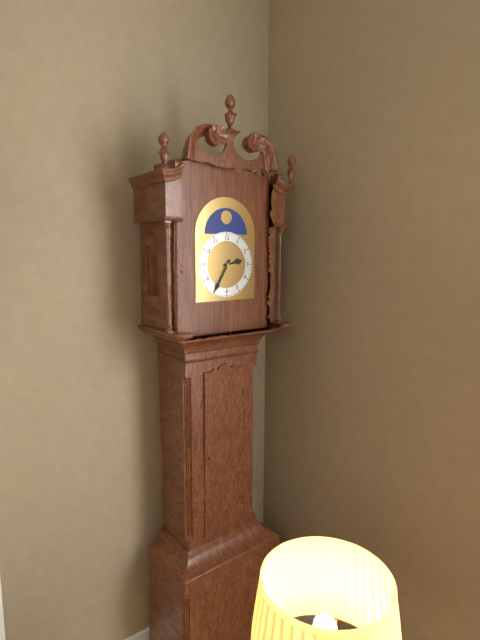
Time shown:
2.35
